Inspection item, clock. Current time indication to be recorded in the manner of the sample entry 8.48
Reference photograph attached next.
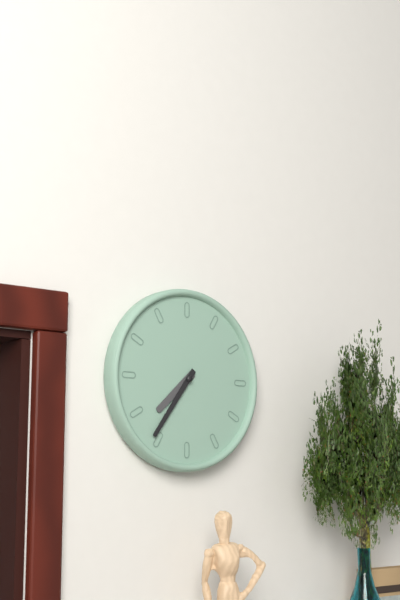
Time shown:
7.36
